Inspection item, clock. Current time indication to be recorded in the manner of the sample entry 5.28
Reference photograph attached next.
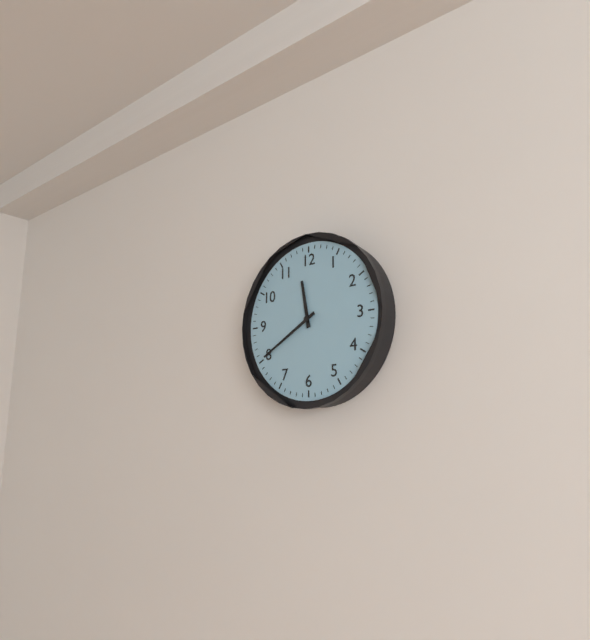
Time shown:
11.40
